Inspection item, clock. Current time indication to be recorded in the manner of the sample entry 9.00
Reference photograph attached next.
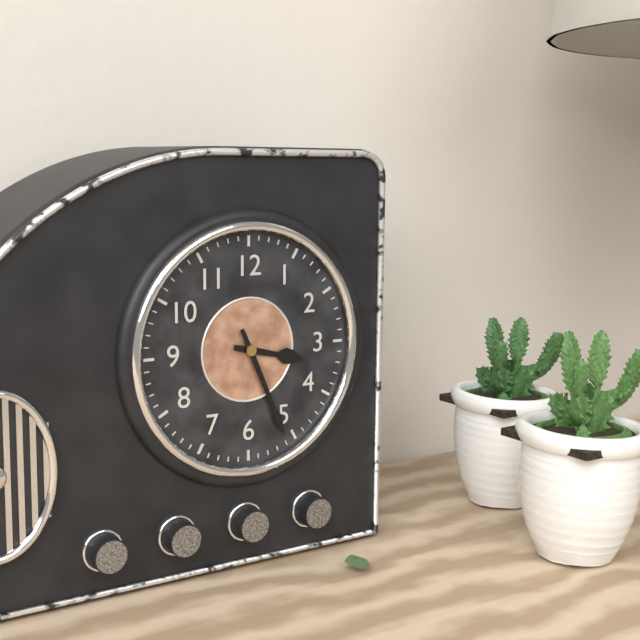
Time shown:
3.26
